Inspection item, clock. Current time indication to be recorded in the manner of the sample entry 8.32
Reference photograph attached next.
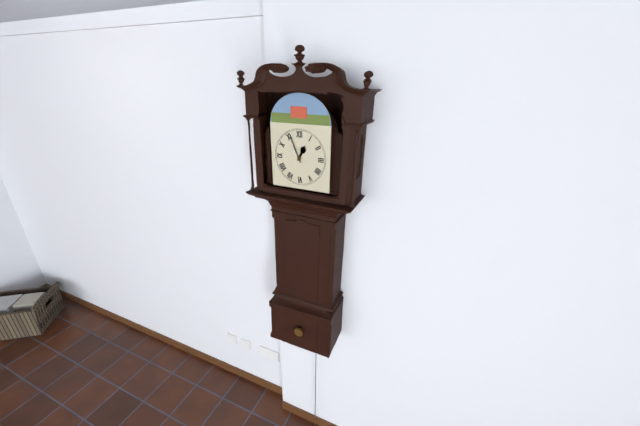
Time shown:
12.56
